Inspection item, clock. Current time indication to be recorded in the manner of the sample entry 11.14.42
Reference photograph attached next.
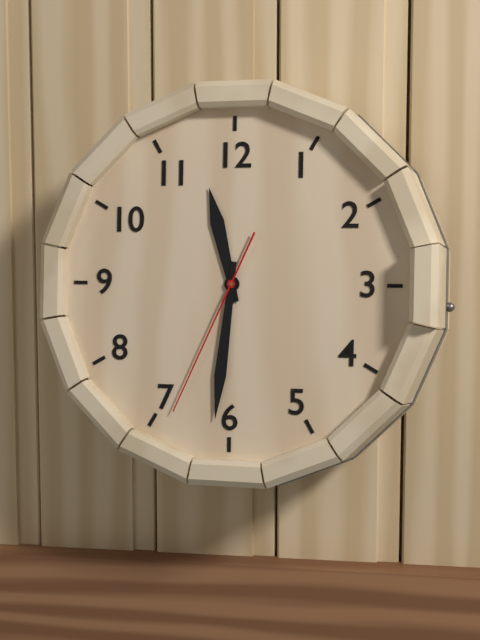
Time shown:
11.31.34
